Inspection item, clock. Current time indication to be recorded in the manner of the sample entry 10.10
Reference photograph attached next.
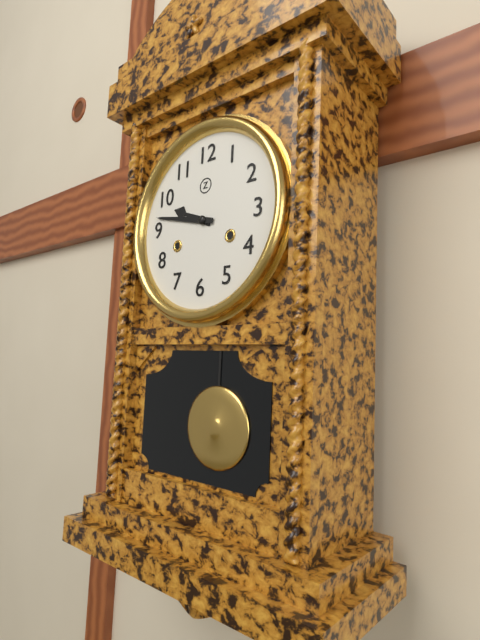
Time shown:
9.47
